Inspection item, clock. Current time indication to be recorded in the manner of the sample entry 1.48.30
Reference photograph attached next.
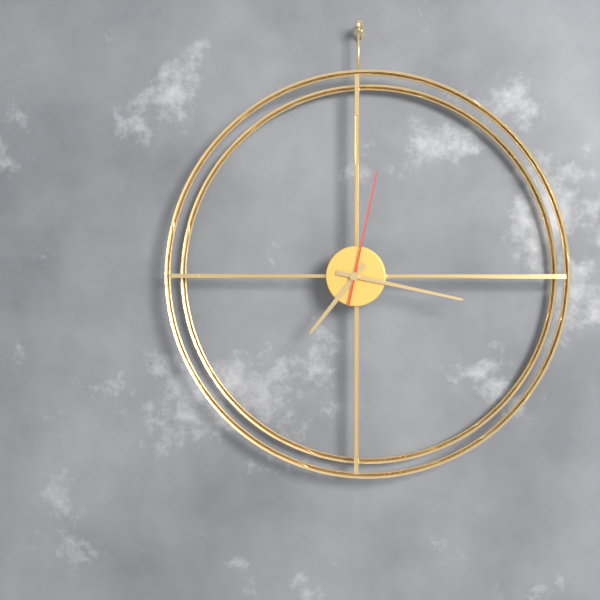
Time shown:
7.17.02
